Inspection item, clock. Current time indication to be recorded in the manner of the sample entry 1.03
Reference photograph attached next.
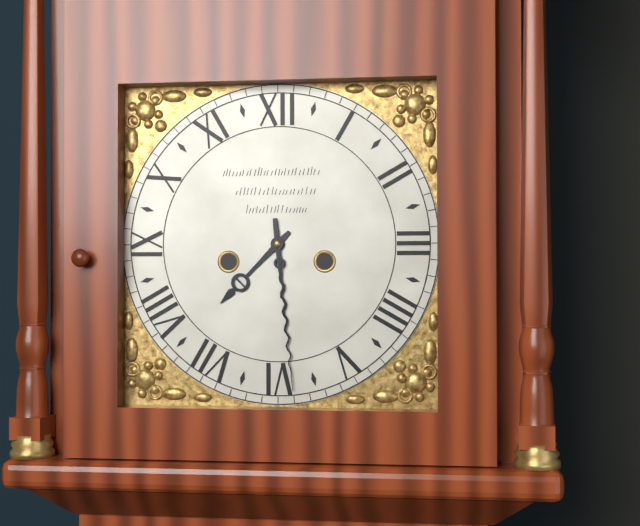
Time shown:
7.29
